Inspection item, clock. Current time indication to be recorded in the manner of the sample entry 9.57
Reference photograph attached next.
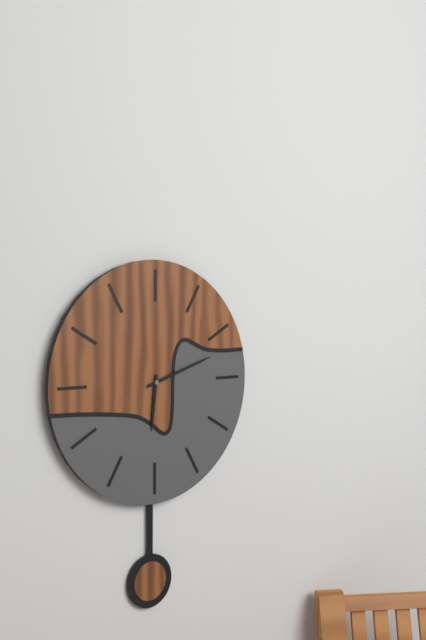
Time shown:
6.12
